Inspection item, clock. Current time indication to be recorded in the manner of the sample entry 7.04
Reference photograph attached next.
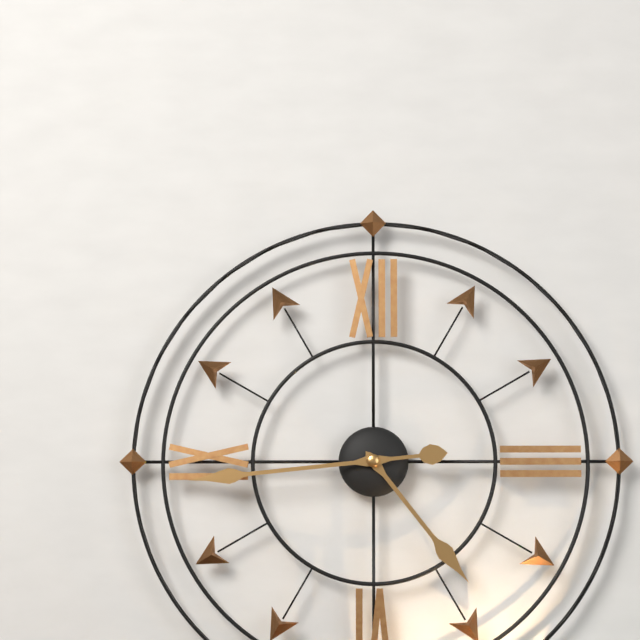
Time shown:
4.44
